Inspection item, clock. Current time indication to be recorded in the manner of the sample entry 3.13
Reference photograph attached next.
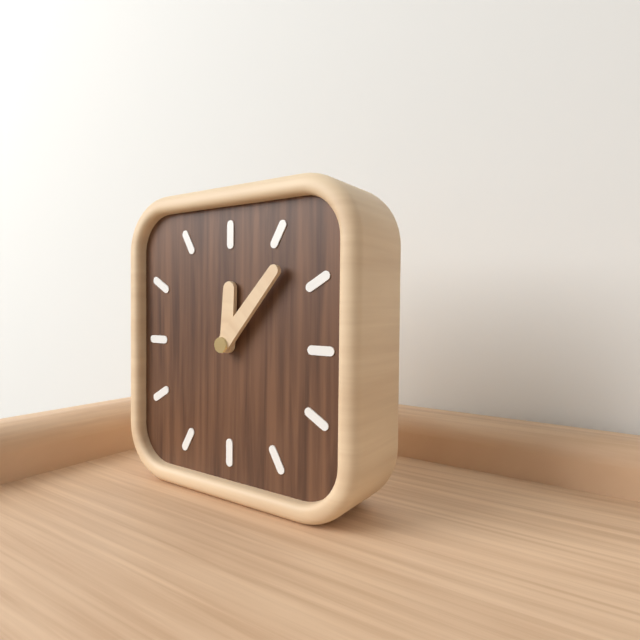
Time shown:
12.07
